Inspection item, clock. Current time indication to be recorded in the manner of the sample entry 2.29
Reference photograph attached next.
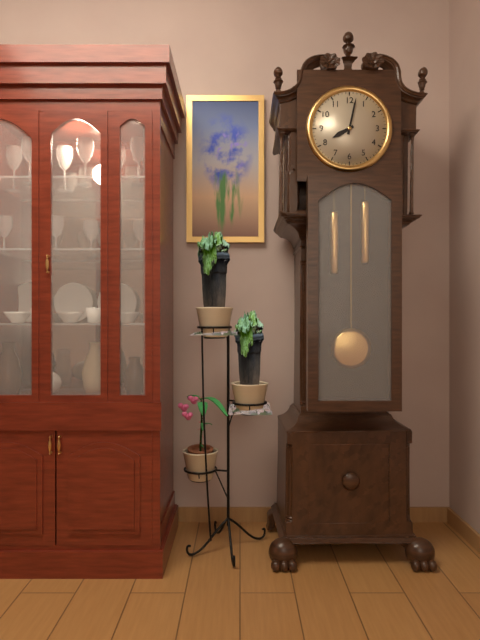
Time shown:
8.02
